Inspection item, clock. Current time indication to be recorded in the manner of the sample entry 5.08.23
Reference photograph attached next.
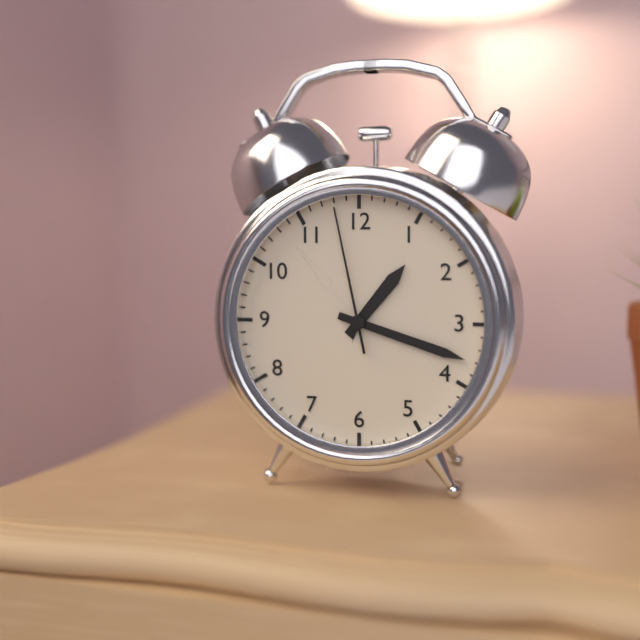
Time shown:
1.18.58
